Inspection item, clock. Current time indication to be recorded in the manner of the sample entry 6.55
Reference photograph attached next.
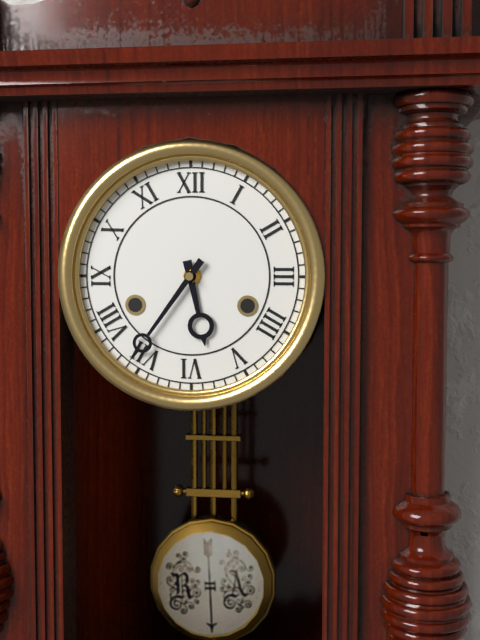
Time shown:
5.36
